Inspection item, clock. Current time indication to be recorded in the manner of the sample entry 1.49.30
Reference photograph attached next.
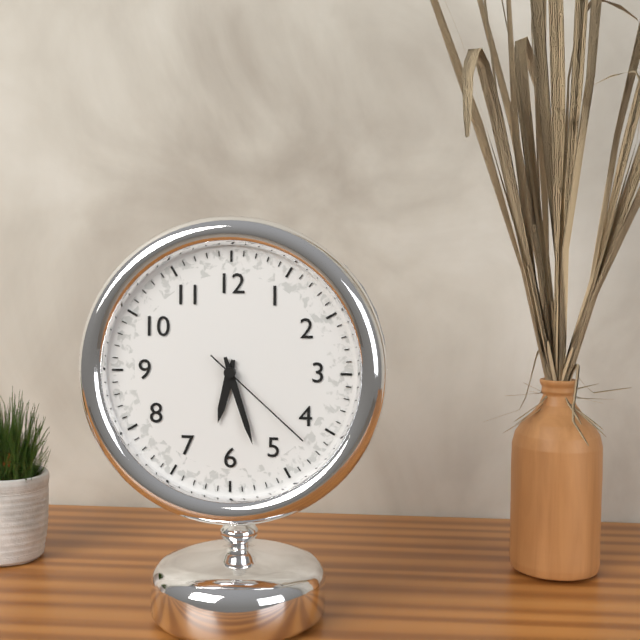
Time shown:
6.27.22
